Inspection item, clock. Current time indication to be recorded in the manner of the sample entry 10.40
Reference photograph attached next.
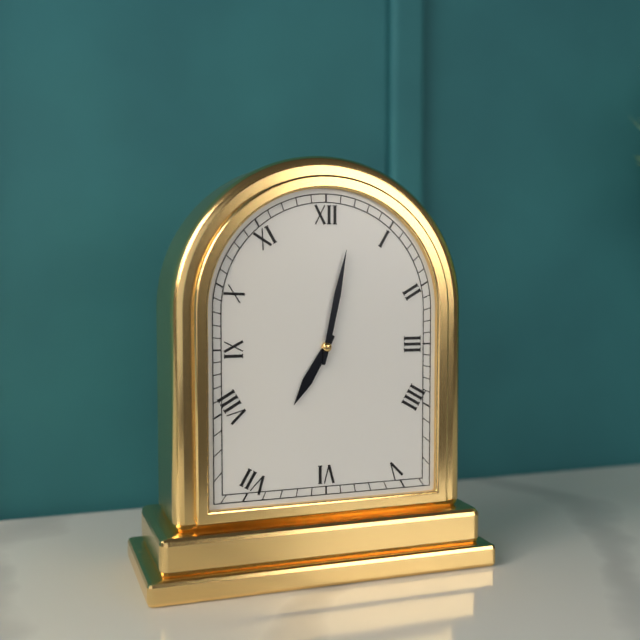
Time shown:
7.02
